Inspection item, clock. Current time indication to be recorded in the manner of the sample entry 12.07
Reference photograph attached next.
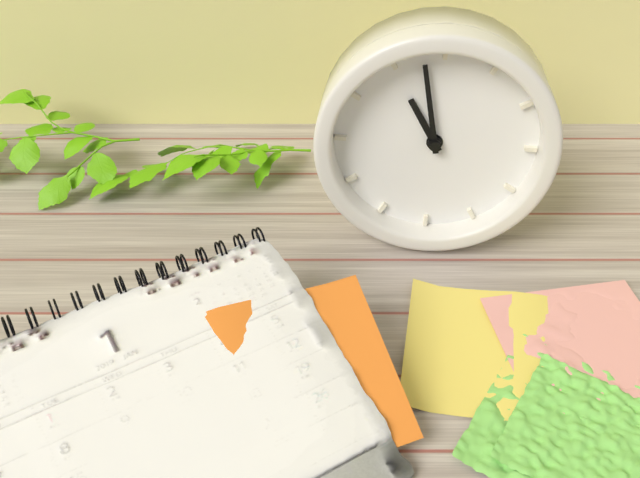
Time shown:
10.58
